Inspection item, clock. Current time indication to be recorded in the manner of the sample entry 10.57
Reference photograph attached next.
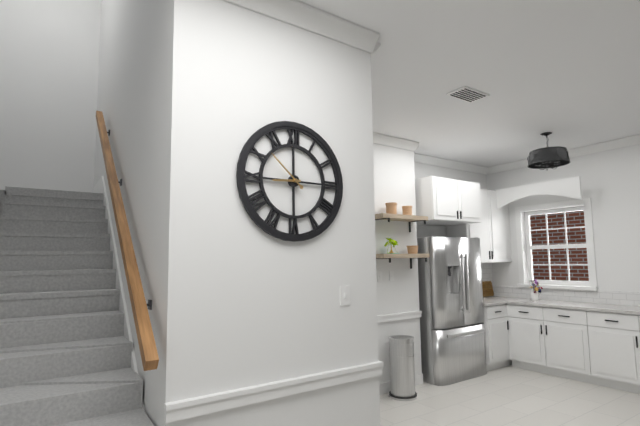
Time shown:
8.52
